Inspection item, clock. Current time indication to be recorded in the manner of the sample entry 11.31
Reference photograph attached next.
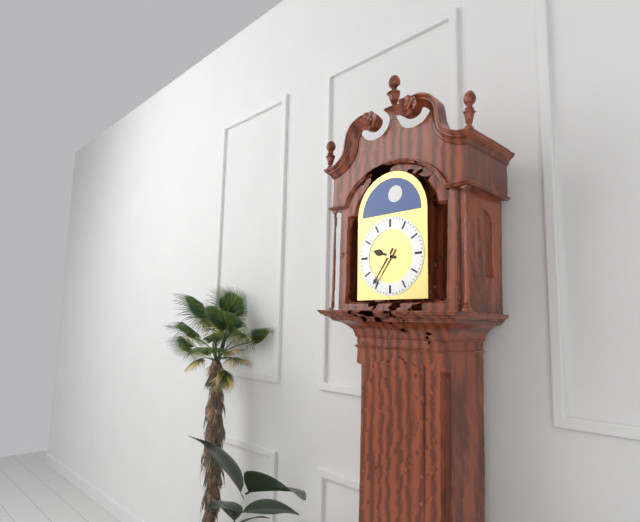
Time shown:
9.36
